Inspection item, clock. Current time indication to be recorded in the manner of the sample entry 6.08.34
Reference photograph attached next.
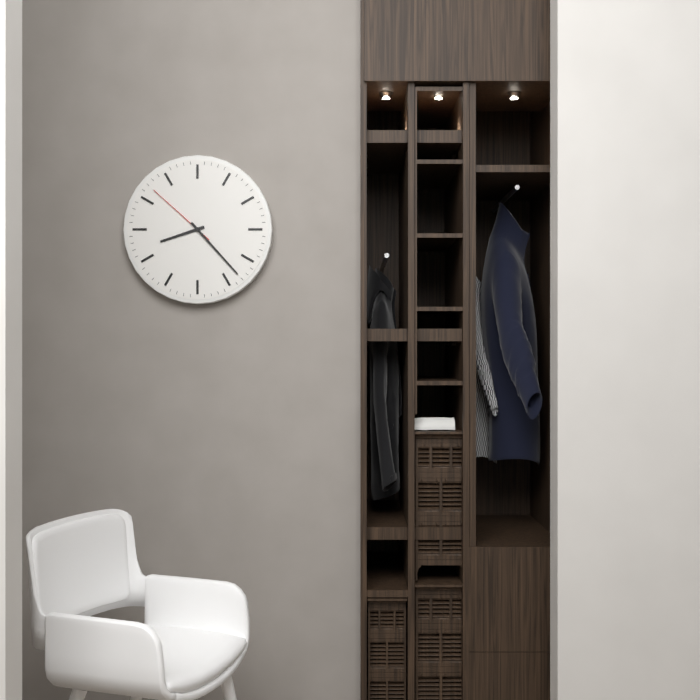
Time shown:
8.23.52
